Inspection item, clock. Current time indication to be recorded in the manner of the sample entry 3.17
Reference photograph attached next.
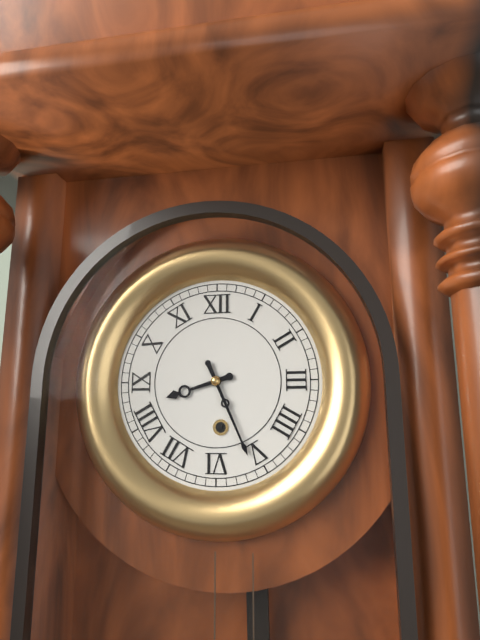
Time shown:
8.26
